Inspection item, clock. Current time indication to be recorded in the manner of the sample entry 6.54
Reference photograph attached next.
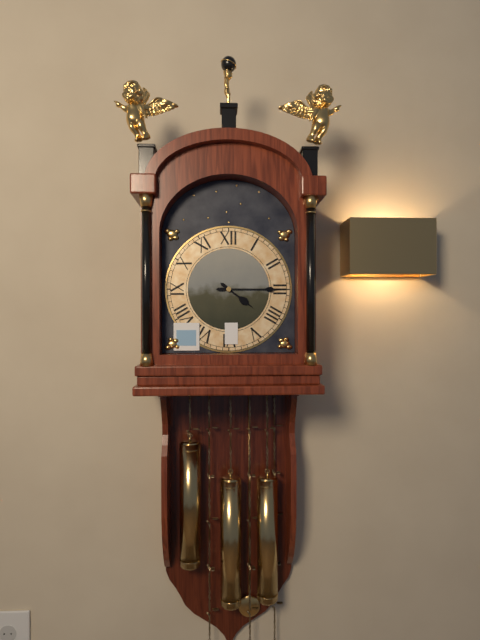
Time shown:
4.15
